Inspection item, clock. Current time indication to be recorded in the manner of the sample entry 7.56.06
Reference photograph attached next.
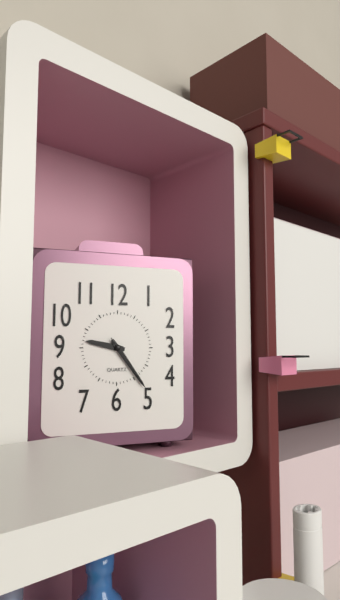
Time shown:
9.24.24
